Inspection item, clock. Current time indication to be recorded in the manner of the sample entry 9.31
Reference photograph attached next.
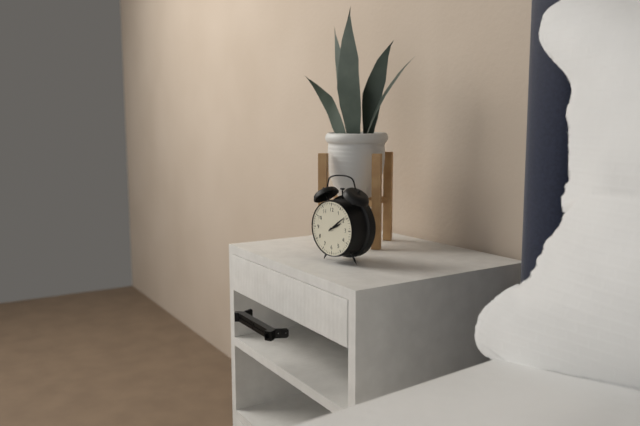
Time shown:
2.09
